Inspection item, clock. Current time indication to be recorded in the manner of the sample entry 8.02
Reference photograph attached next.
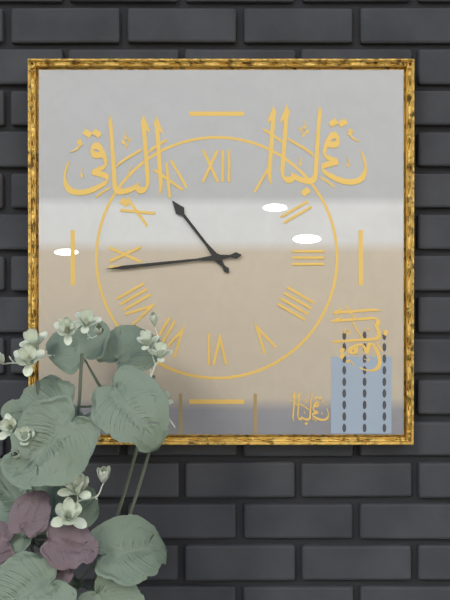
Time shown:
10.44
